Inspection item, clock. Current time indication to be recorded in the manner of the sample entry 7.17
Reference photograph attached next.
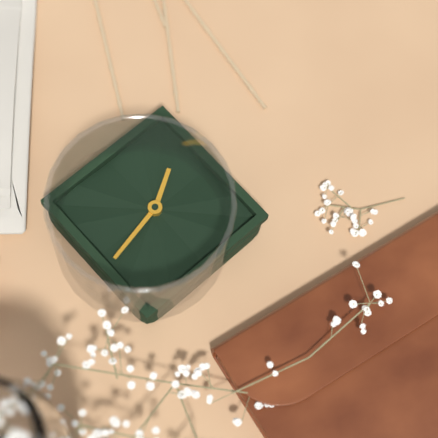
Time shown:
4.58
